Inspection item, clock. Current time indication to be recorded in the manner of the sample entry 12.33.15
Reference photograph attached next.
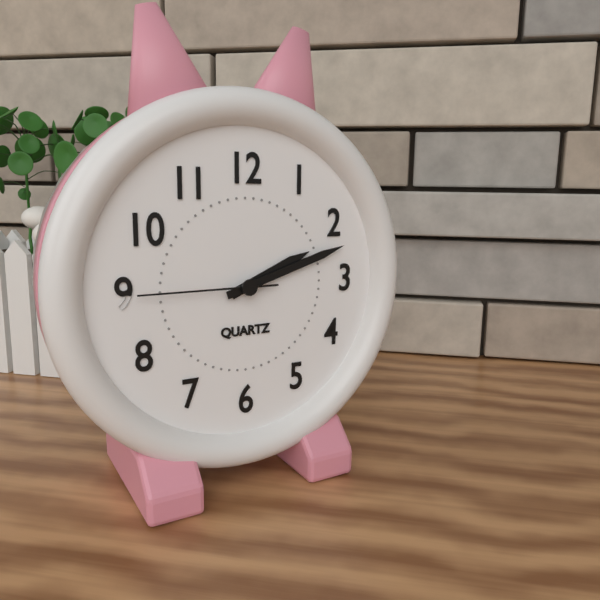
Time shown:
2.12.45
